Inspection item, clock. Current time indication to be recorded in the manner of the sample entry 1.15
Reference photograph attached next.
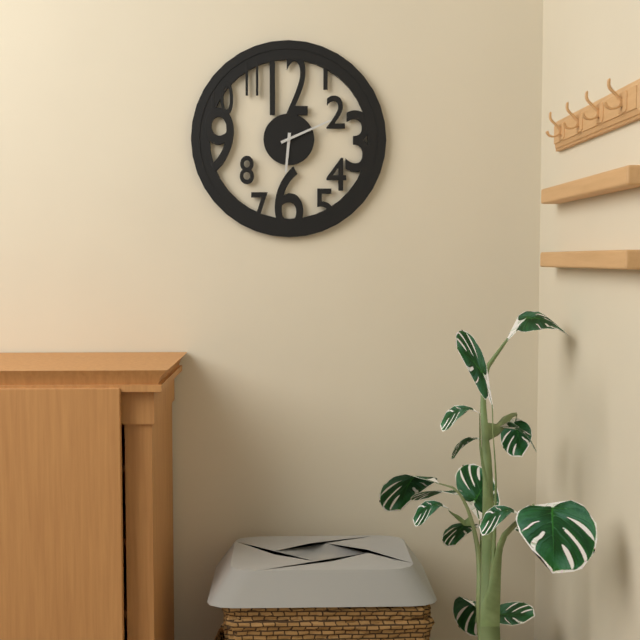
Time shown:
6.11
